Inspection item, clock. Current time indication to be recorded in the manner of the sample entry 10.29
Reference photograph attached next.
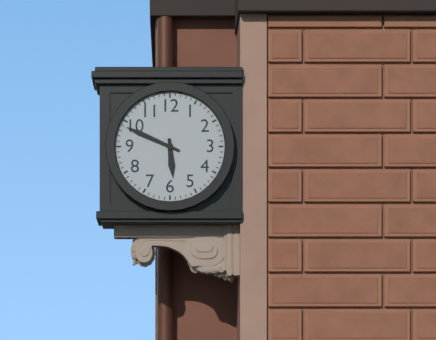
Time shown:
5.49
